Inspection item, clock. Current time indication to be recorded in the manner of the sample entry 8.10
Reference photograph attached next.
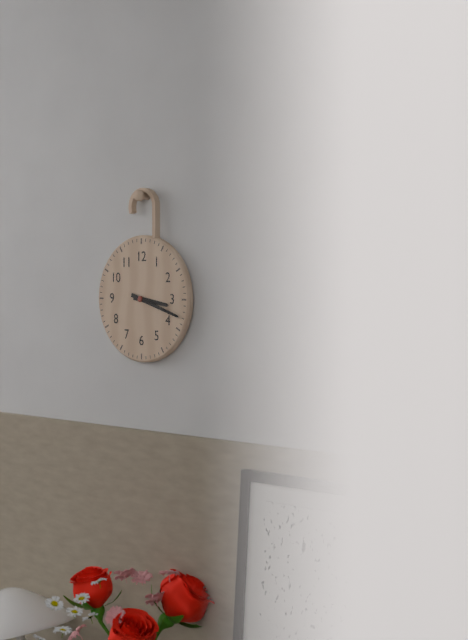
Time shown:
3.18
